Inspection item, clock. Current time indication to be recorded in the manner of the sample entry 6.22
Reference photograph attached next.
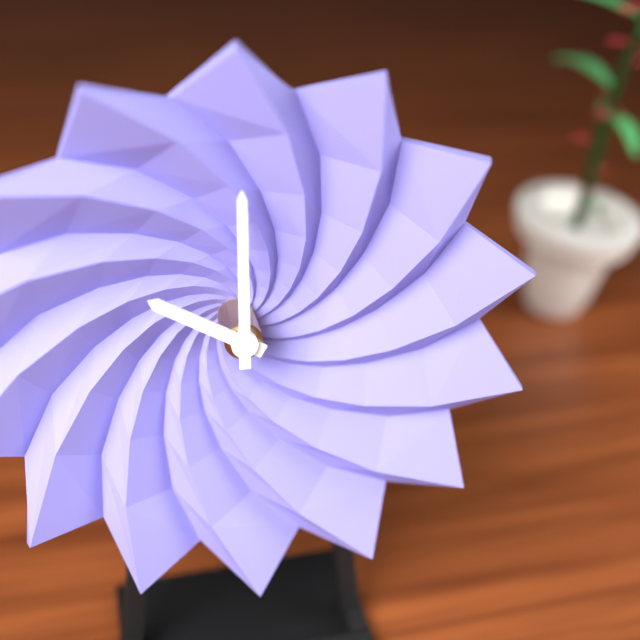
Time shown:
10.00
